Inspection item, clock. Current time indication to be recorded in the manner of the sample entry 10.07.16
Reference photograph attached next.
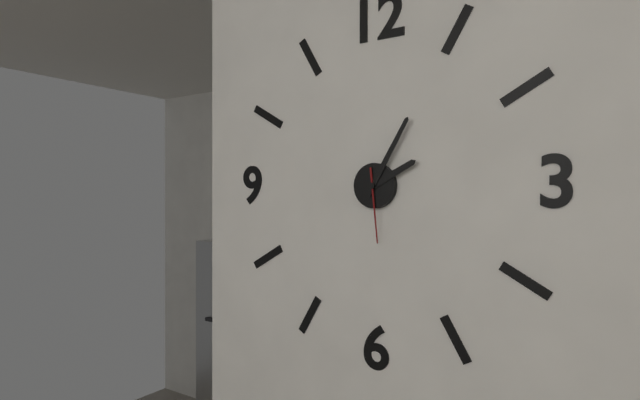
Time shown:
2.05.29
